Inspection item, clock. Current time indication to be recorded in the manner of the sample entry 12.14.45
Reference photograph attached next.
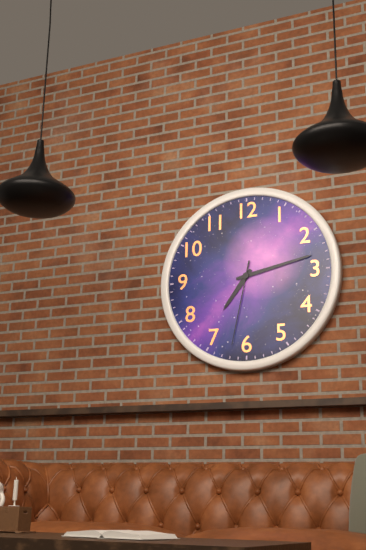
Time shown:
7.13.32
